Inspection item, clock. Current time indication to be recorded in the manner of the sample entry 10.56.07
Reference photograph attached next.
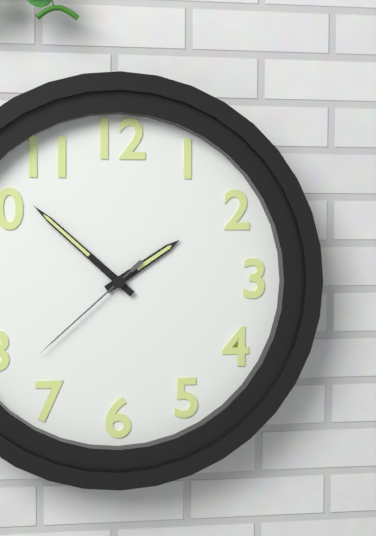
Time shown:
1.52.38
